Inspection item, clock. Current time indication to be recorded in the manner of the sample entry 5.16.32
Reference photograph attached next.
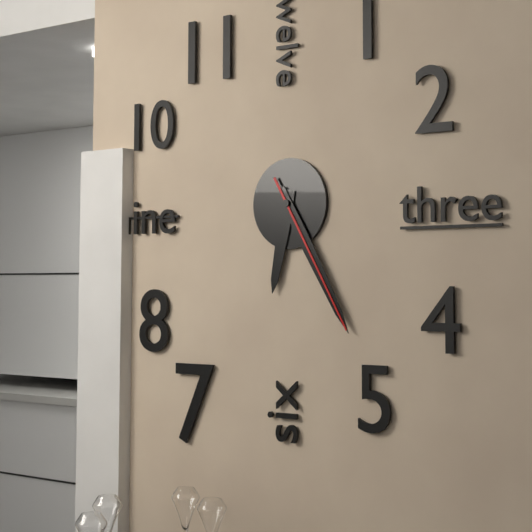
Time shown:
6.25.25
